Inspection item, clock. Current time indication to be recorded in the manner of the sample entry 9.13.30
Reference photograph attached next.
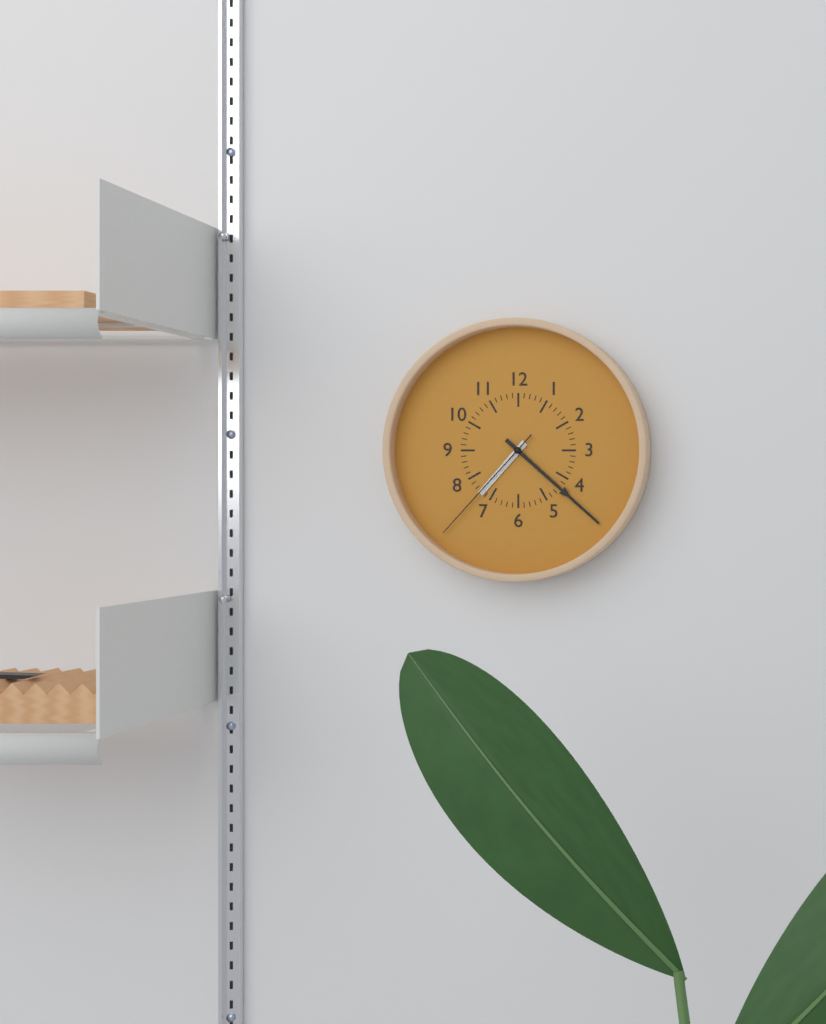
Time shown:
7.22.37
